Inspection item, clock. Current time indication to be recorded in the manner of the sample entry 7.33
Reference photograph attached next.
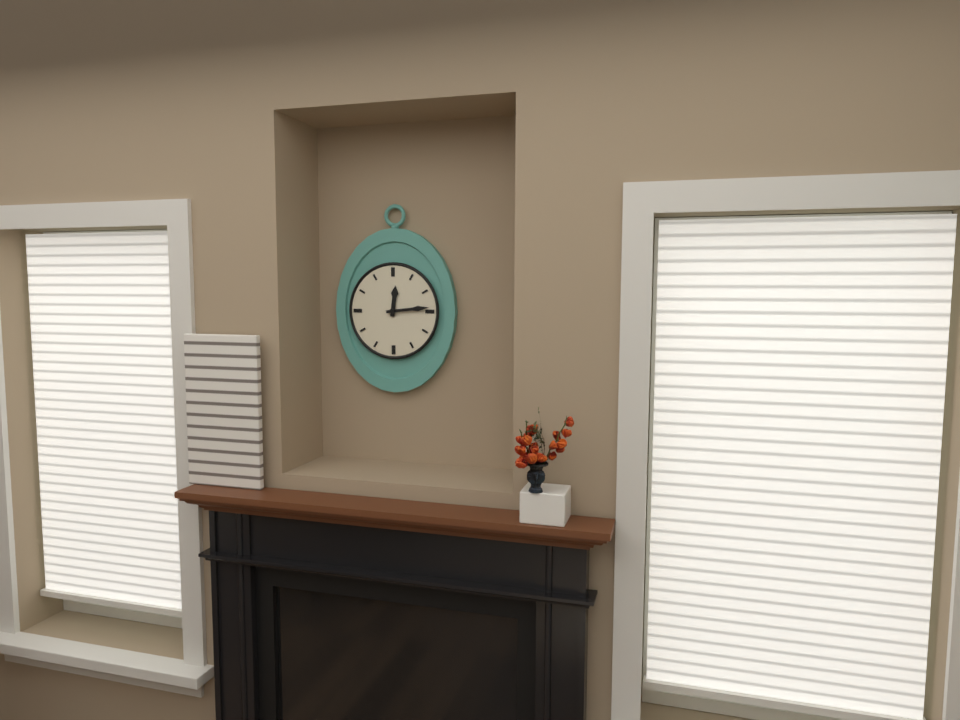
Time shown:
12.14
